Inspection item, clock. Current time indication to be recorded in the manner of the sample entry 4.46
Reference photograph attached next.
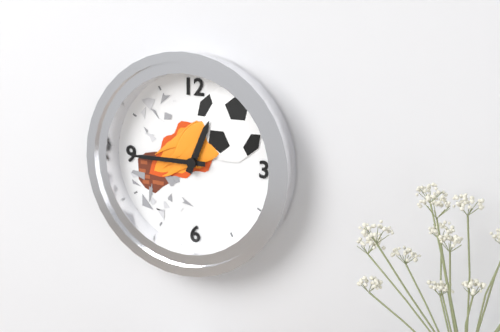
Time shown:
12.45
